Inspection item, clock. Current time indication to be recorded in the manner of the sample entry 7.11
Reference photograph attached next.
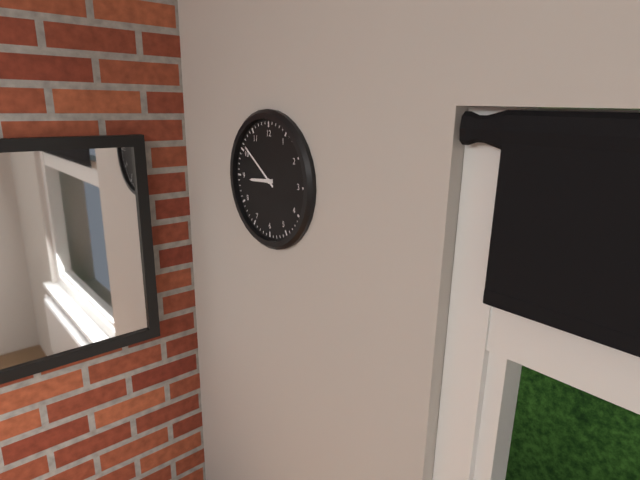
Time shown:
8.51
